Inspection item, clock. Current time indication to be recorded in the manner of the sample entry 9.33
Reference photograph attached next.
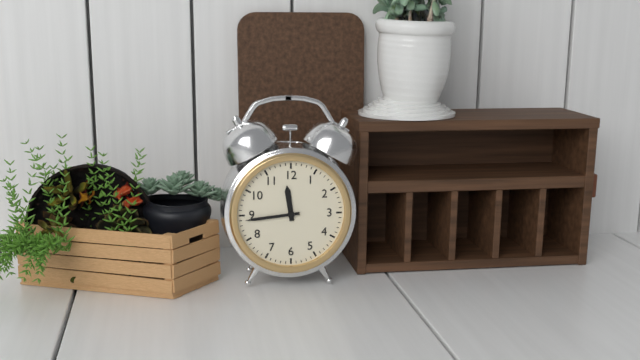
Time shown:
11.44
